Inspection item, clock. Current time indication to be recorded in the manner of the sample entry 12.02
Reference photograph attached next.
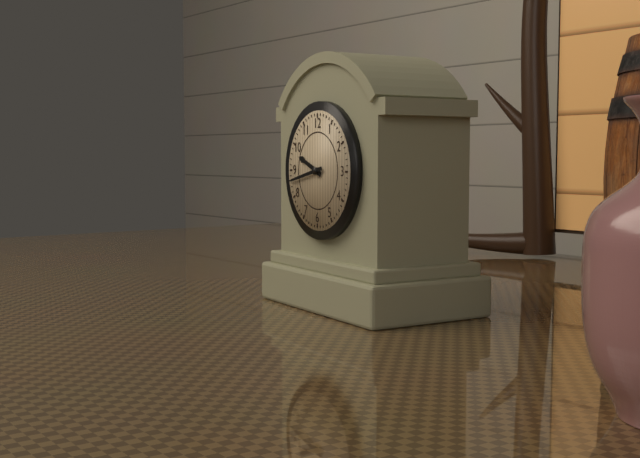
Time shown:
9.43
